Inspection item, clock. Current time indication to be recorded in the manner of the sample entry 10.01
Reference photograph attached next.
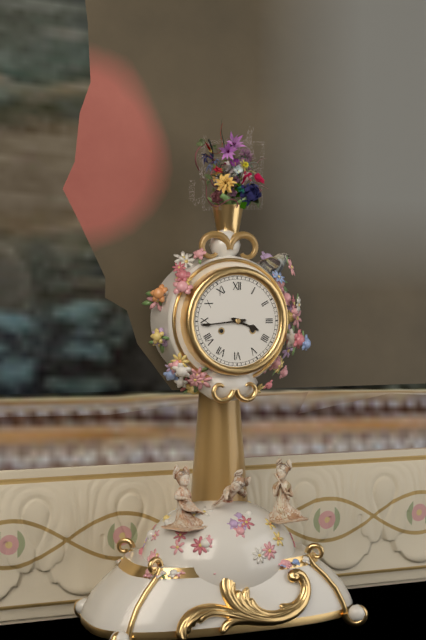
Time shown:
3.44
